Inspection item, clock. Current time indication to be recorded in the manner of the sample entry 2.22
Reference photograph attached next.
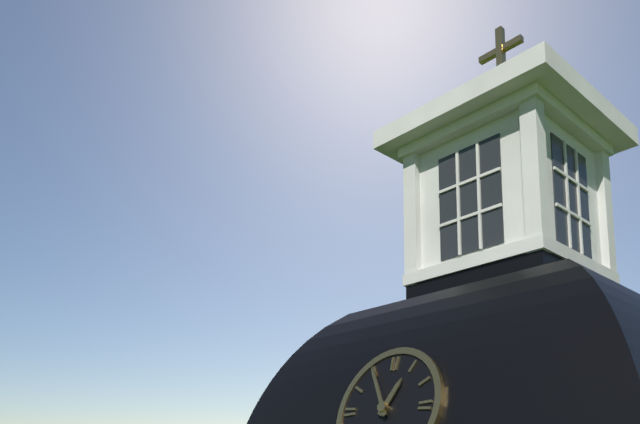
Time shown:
12.55
